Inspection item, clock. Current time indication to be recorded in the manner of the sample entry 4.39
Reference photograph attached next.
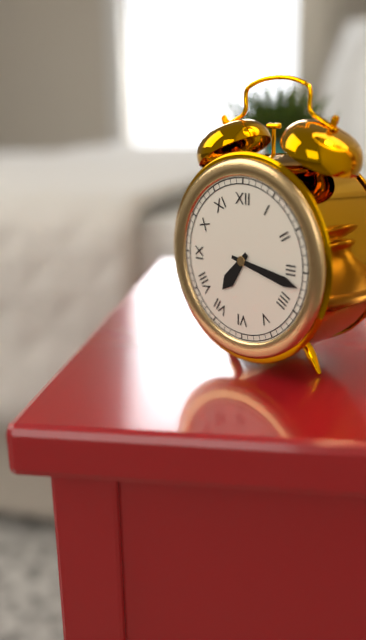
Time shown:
7.17
